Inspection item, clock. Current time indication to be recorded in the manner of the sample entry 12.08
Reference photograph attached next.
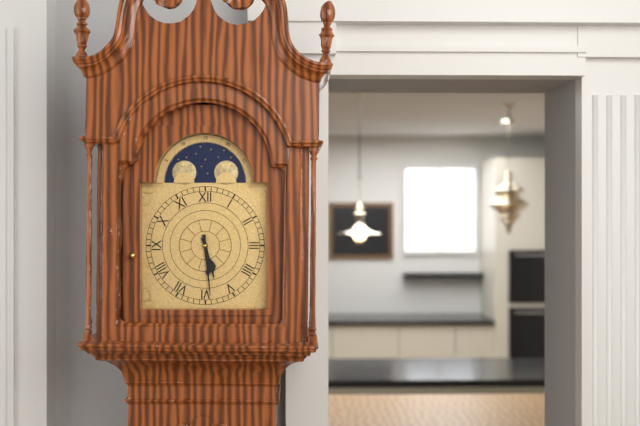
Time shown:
5.29
